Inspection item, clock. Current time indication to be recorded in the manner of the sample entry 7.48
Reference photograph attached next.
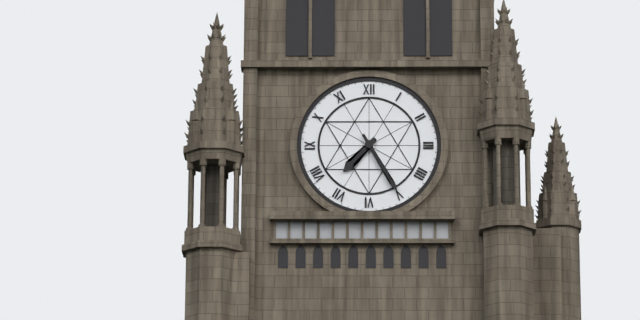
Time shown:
7.25
